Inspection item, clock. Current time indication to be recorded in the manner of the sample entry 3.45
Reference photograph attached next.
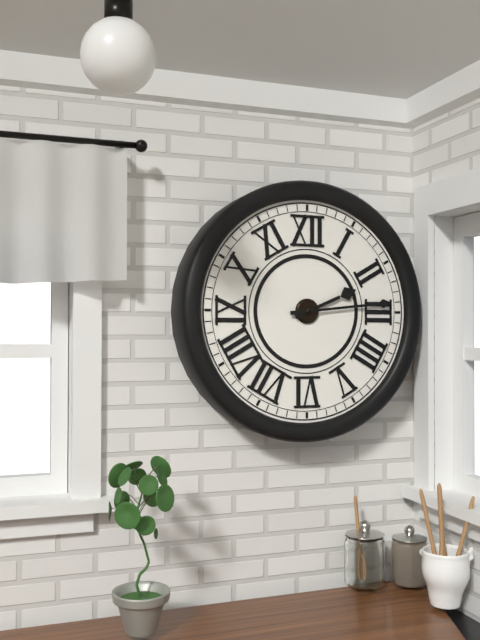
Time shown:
2.14
